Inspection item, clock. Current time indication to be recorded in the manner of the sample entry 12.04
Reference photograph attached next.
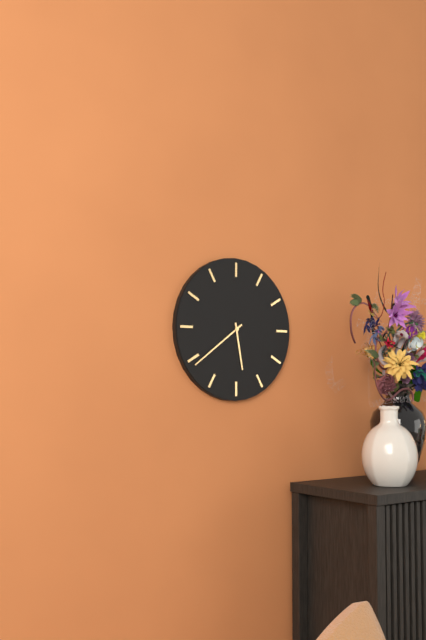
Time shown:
5.39
